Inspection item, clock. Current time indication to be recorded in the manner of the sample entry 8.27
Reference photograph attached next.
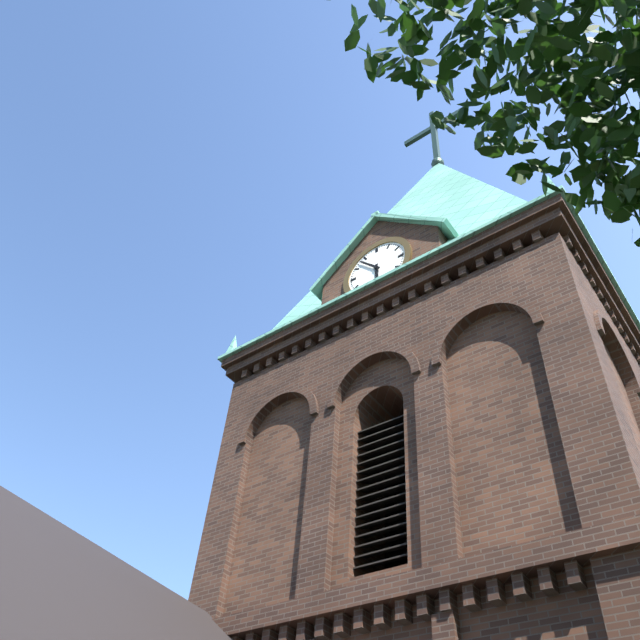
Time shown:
5.53
